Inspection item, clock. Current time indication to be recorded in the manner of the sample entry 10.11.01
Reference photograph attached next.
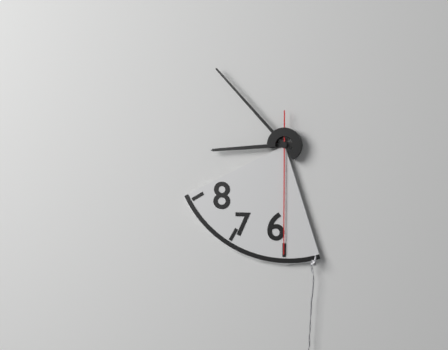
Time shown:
8.53.30
